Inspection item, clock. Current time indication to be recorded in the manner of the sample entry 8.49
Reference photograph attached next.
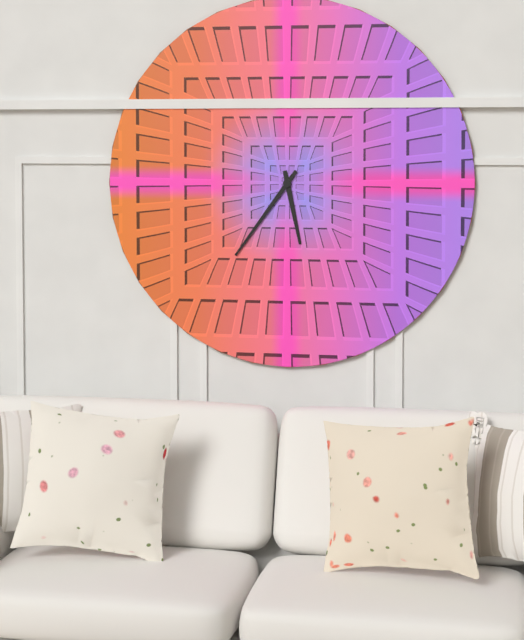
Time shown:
5.36
